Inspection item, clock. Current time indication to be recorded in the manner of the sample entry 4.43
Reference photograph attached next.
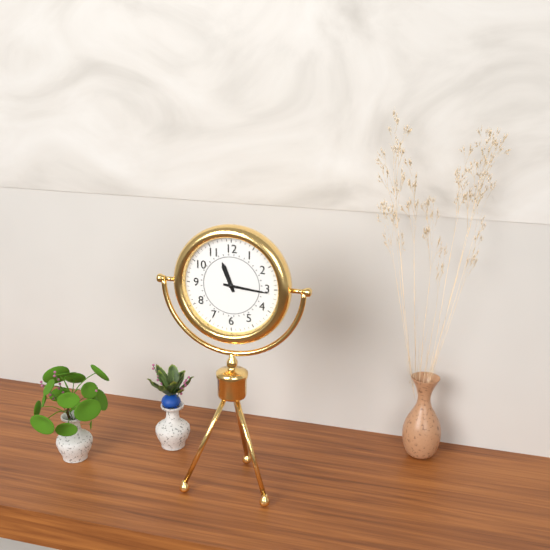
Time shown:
11.16
